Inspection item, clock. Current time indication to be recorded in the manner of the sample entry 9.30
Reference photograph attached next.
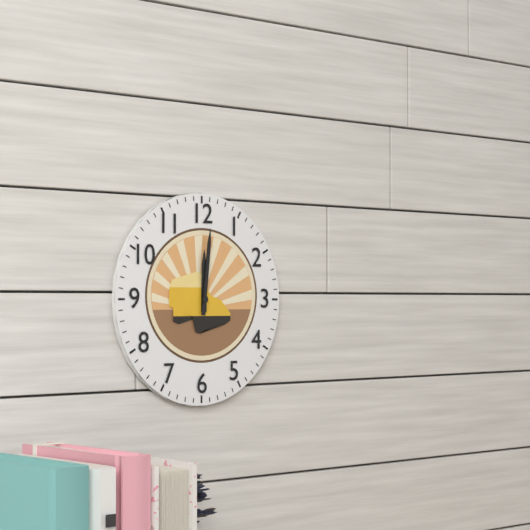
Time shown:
12.01
